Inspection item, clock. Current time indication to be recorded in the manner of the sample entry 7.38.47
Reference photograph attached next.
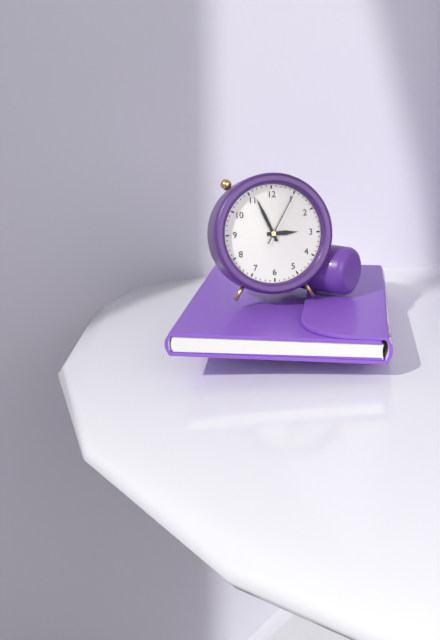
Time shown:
2.56.05
